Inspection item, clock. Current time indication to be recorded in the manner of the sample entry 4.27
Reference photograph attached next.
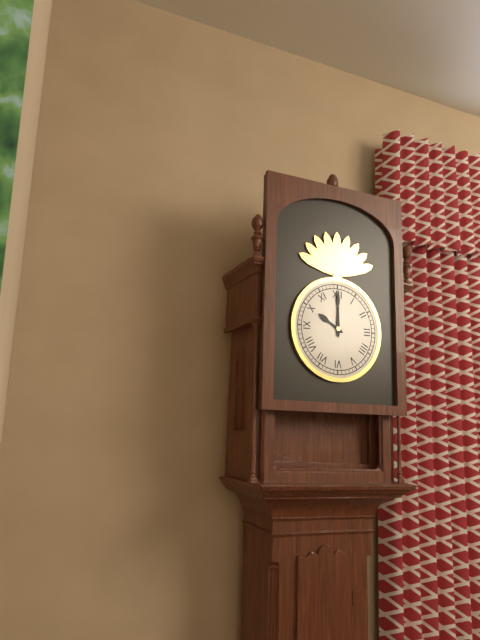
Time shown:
10.00
